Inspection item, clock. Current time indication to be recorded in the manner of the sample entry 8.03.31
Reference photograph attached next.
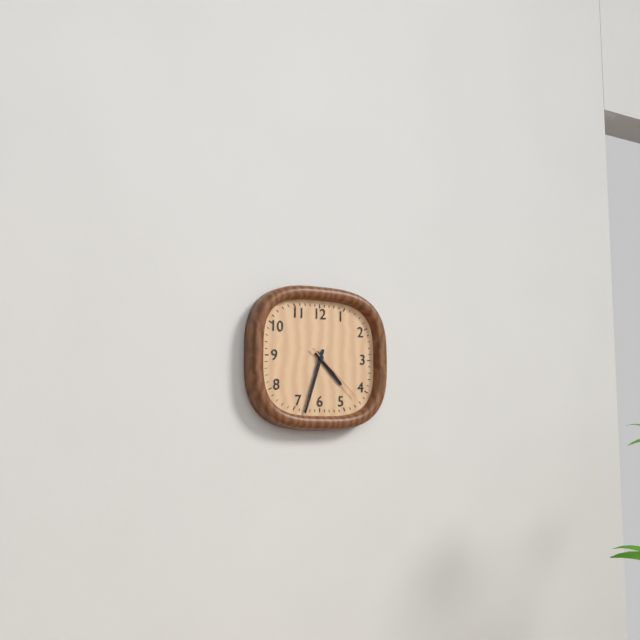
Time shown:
4.33.22
